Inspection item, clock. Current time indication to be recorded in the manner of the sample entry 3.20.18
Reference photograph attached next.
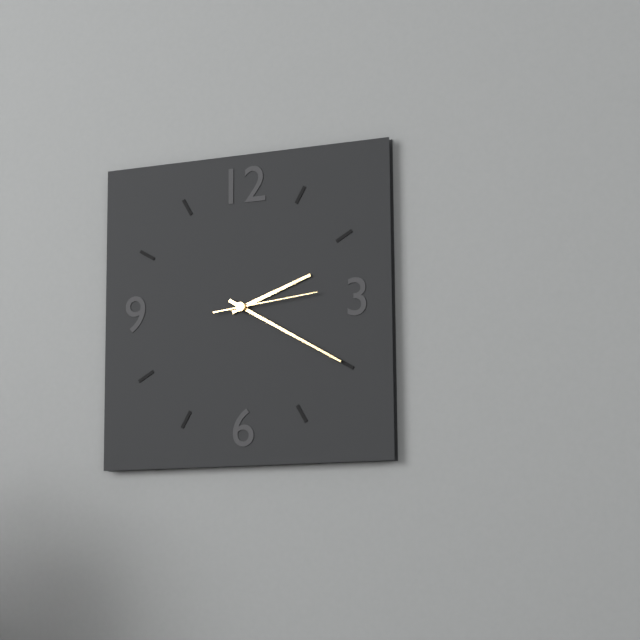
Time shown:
2.20.14
